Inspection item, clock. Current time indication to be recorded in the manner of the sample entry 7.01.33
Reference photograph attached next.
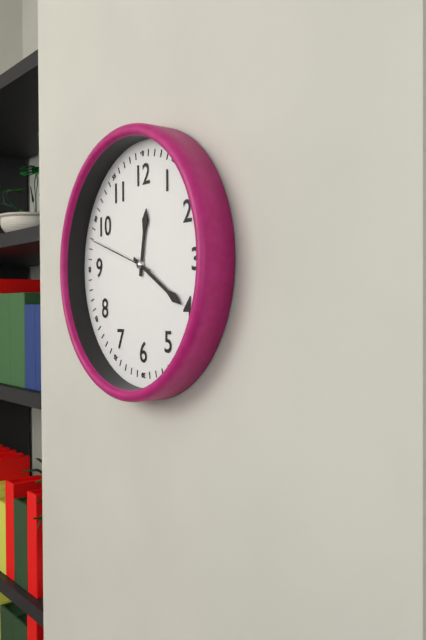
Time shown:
12.20.48
